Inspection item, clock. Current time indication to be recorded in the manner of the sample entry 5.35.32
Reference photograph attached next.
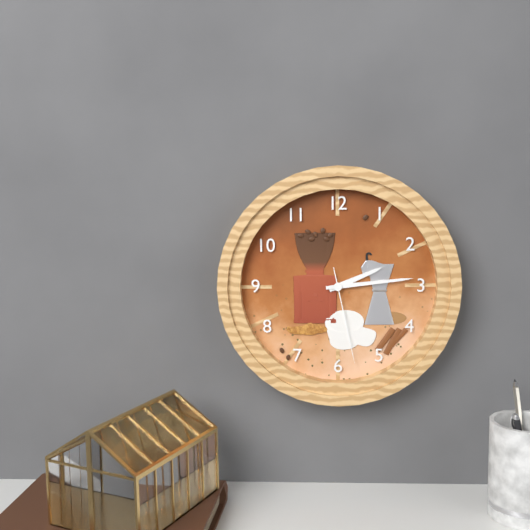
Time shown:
2.14.28
